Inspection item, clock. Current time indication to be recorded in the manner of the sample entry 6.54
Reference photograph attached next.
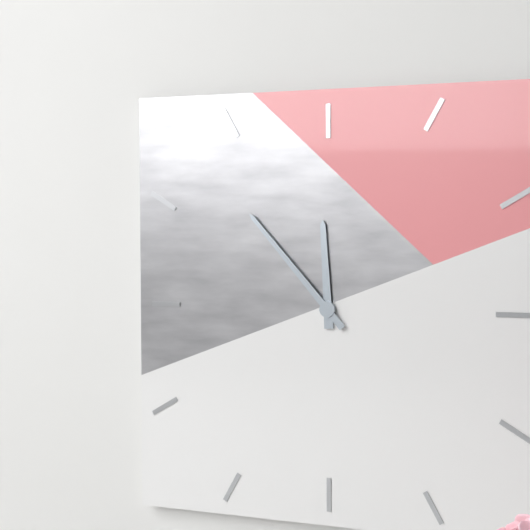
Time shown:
11.53
